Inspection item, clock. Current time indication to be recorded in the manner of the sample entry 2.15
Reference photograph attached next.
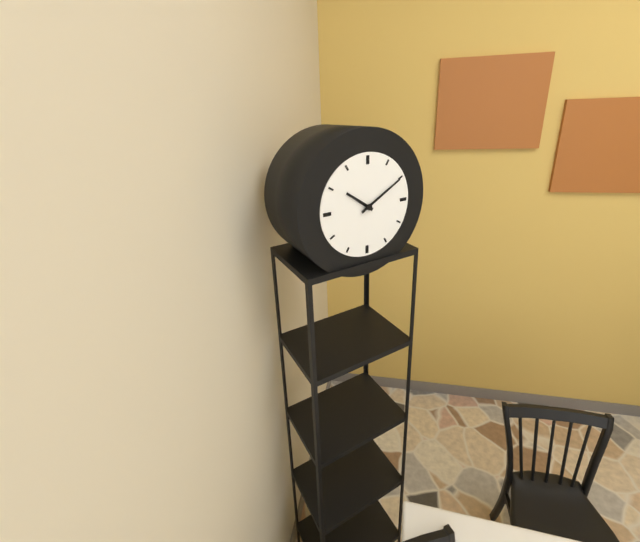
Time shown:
10.10
